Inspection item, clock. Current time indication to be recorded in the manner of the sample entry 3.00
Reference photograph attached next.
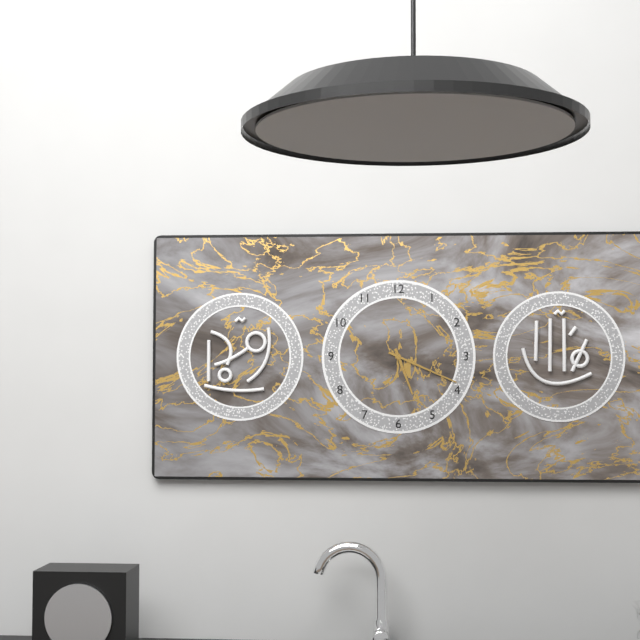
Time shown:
5.19
